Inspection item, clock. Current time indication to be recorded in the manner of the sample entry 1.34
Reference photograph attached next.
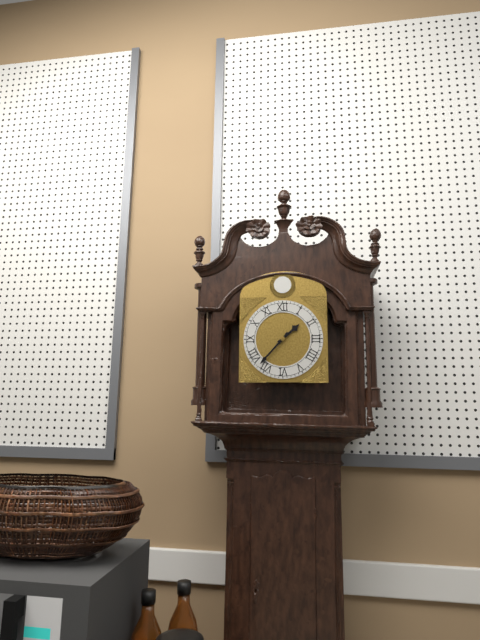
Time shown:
1.37
